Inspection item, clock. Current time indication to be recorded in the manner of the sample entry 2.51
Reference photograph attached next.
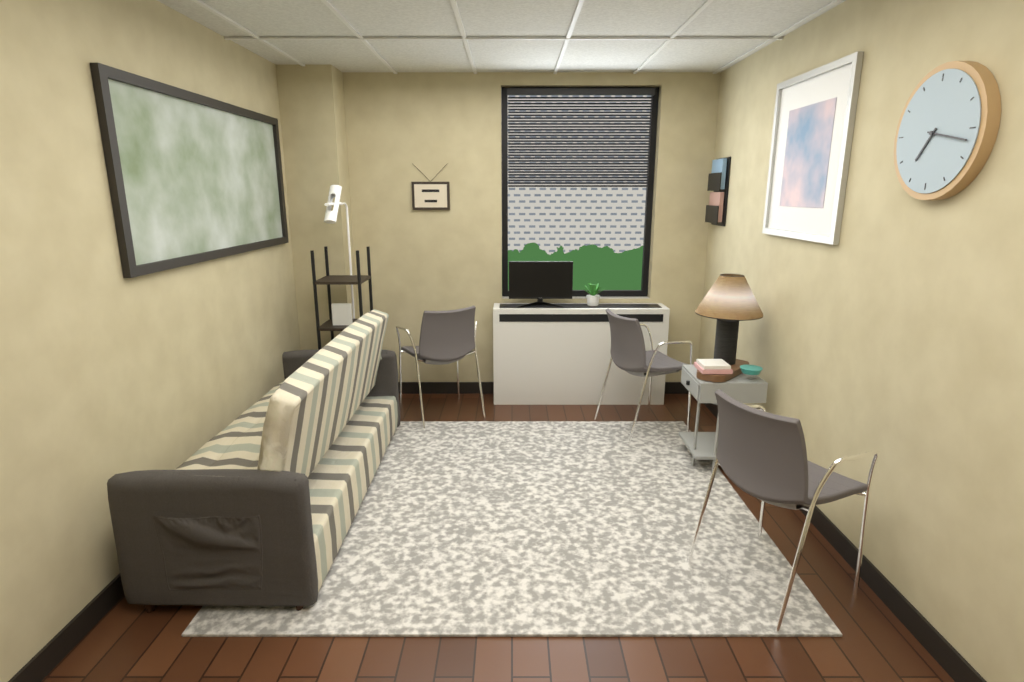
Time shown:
7.17
